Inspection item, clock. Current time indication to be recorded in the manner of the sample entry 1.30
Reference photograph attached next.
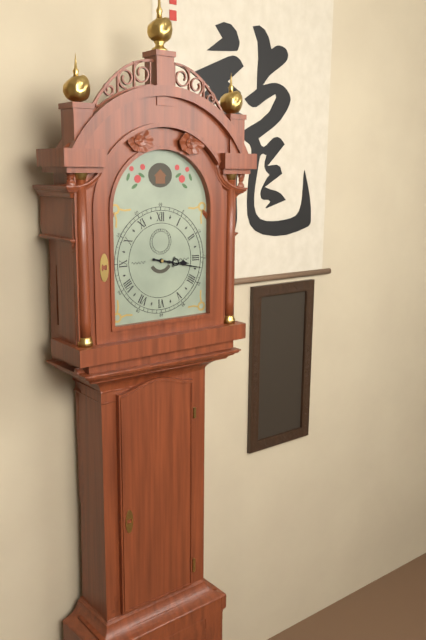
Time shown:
3.17
